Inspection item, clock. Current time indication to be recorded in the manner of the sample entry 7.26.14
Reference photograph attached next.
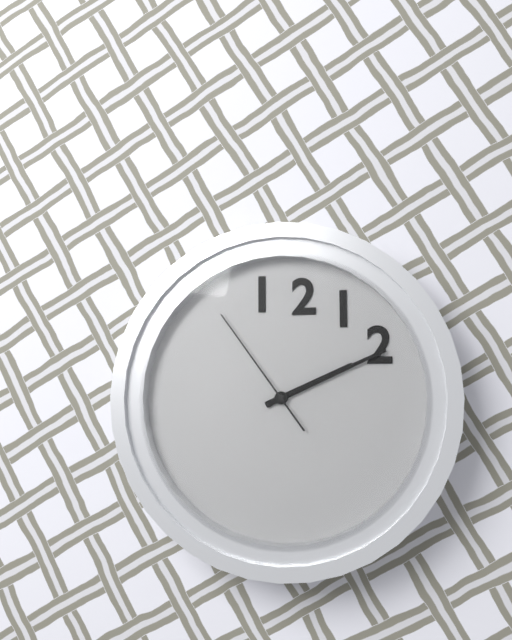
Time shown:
2.11.54
